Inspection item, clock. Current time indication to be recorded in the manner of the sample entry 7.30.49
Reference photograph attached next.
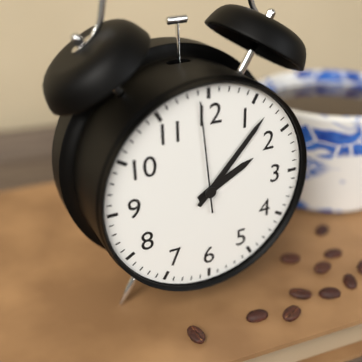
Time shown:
2.07.59
